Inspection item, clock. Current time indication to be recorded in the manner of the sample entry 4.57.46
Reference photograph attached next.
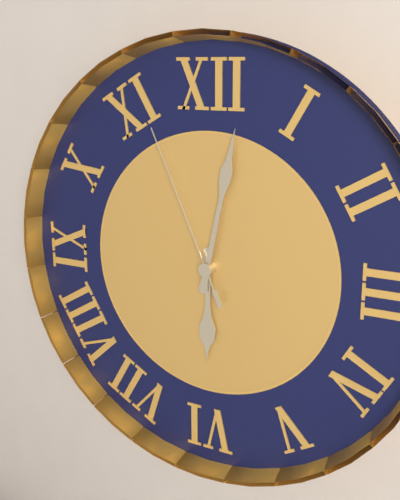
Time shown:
6.02.56
